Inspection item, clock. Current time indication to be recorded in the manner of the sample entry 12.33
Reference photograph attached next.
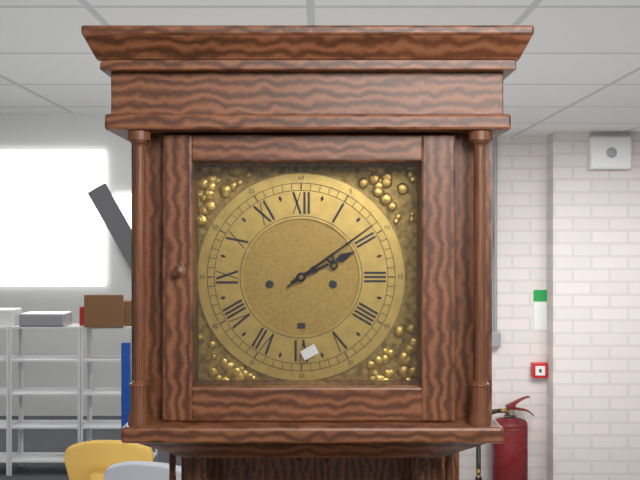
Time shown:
2.09
